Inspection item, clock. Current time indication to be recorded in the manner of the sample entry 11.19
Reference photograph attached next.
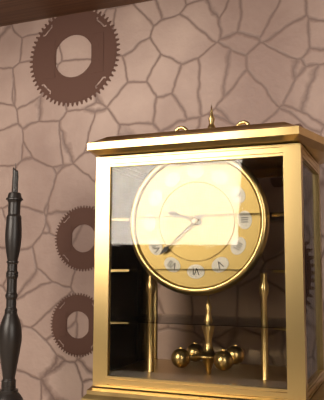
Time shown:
9.38
